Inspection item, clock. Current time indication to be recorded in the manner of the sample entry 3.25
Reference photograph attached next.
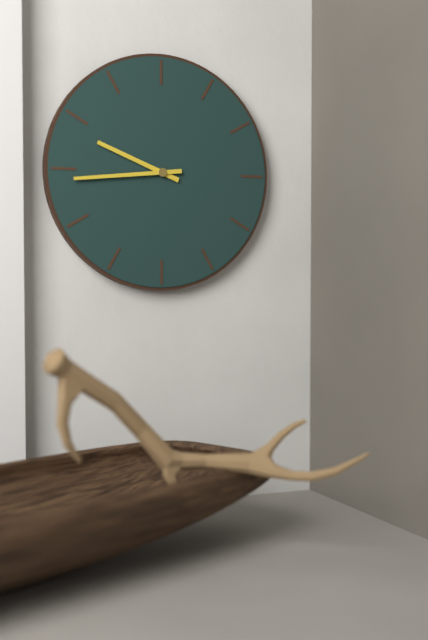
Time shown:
9.44
